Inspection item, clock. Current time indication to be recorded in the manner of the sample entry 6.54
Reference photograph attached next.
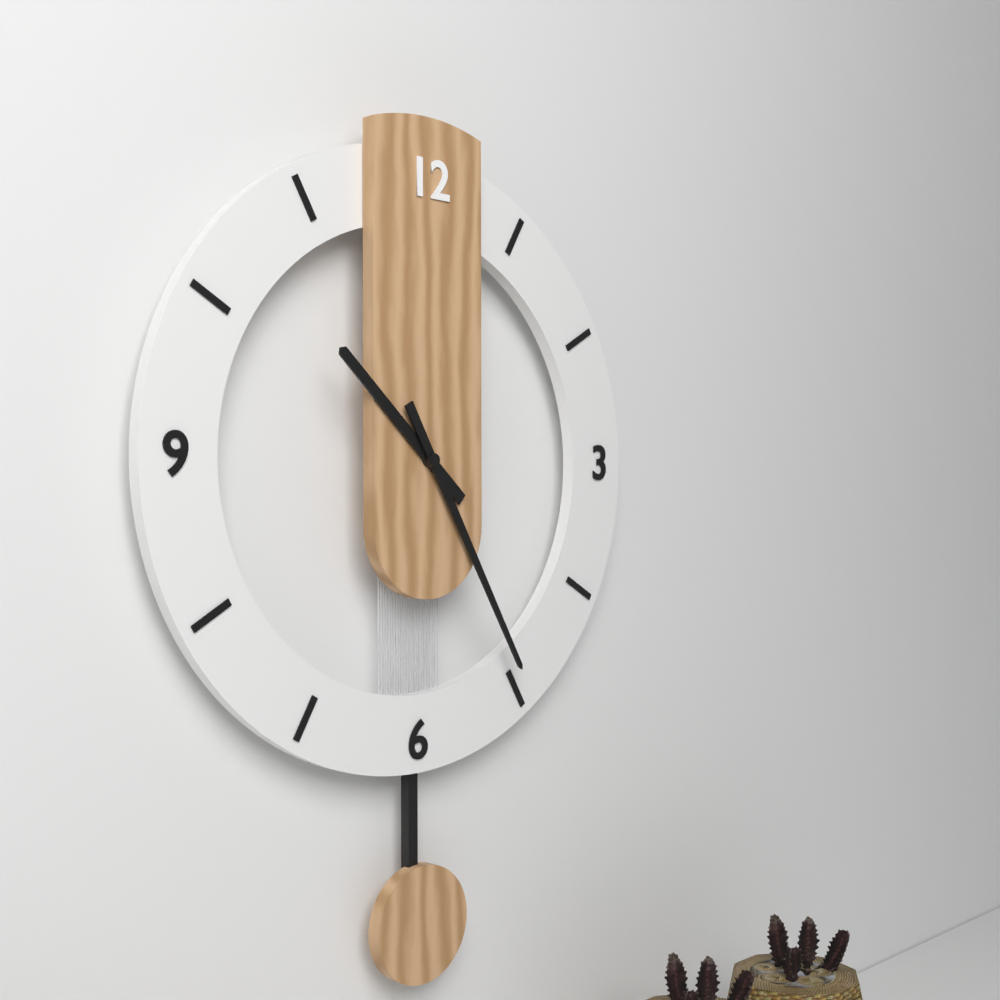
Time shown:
10.25
